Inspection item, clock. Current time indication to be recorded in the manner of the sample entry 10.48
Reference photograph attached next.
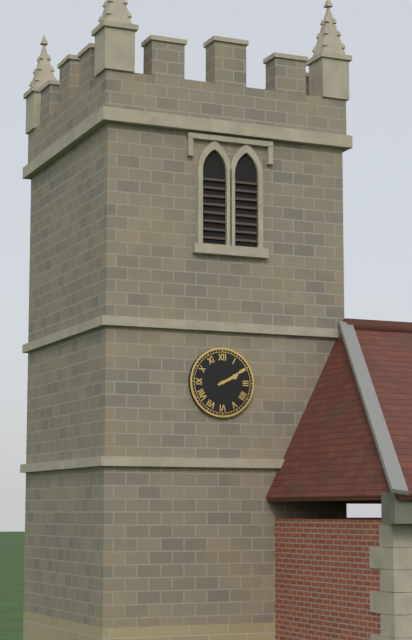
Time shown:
2.10
